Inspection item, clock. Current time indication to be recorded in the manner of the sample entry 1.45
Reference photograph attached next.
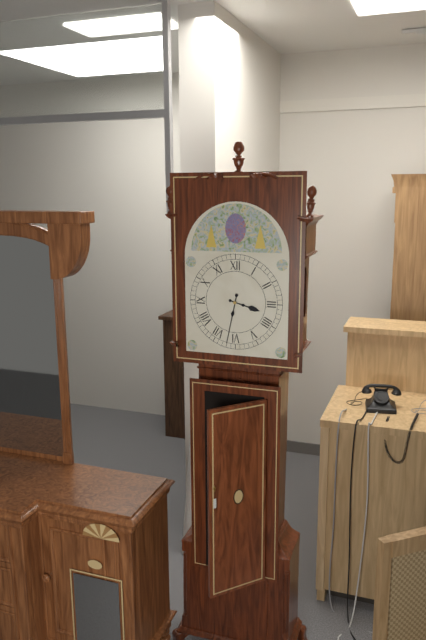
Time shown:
3.32
